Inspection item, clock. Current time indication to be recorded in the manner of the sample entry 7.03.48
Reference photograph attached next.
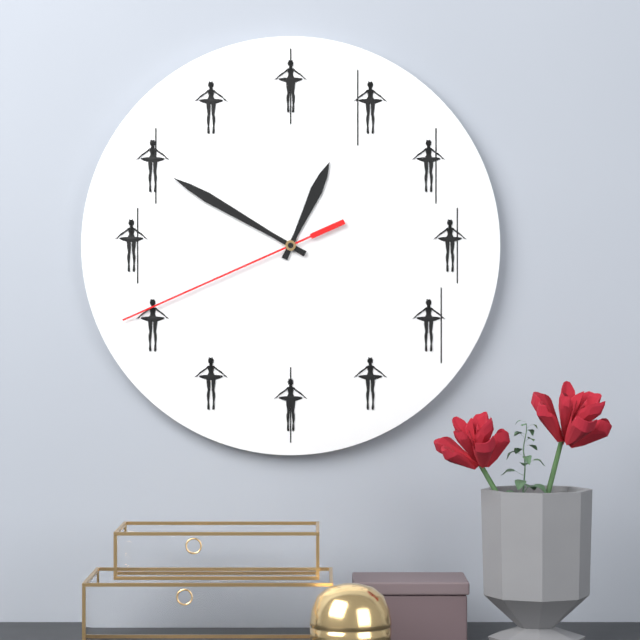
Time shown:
12.50.41
